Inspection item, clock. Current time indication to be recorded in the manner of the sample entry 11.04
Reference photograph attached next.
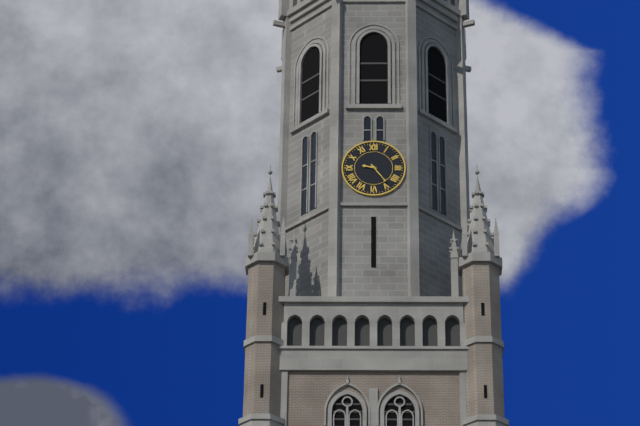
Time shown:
9.24
